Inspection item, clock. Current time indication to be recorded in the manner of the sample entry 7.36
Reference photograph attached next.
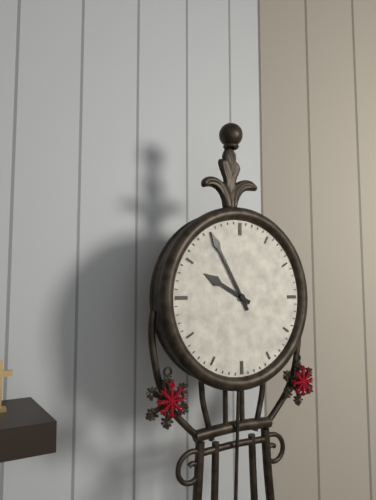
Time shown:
9.55
